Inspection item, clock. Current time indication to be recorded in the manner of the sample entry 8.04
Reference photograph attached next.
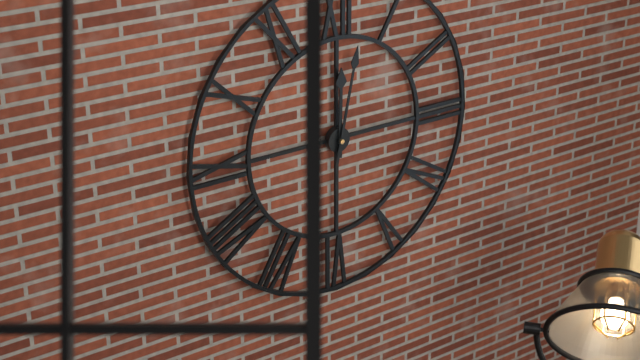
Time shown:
12.02
